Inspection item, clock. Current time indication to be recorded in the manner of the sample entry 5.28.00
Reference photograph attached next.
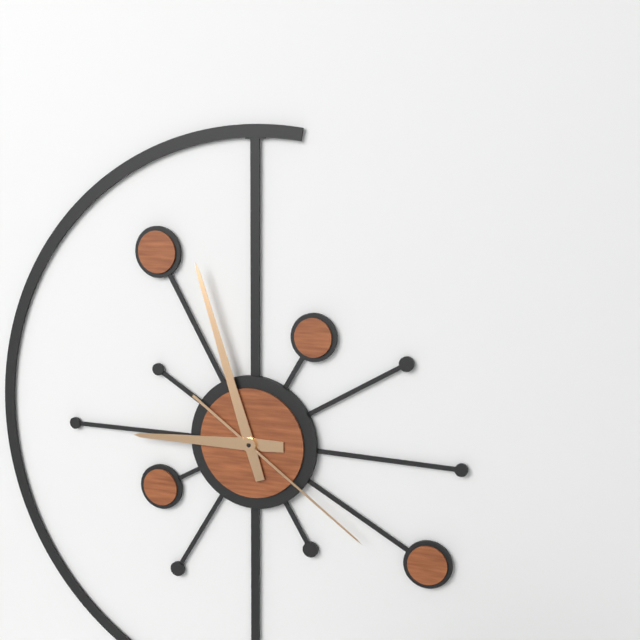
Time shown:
8.57.21
